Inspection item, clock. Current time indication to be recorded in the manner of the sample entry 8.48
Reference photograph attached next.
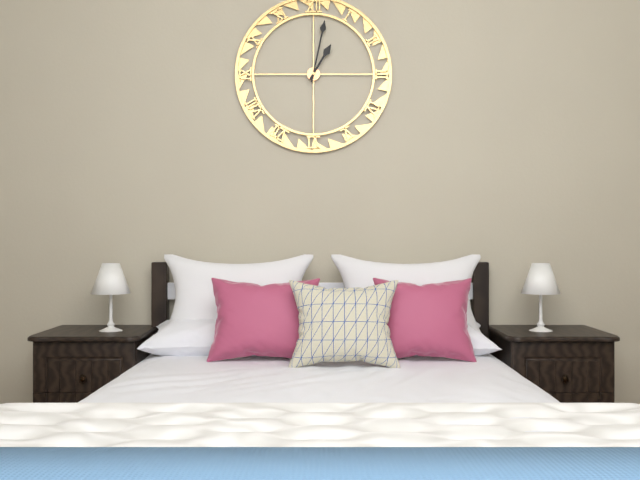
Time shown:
1.02
